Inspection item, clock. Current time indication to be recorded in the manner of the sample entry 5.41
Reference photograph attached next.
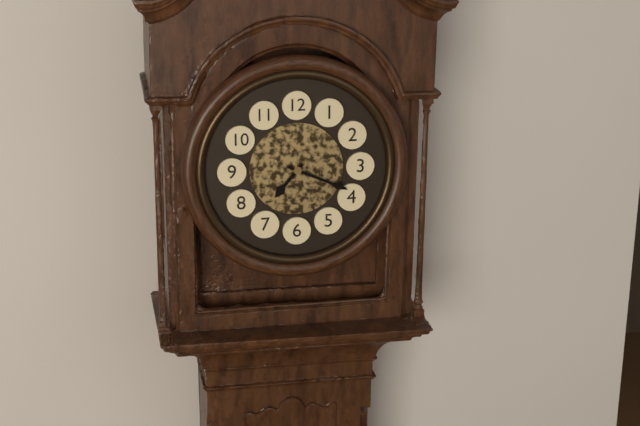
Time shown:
7.19
